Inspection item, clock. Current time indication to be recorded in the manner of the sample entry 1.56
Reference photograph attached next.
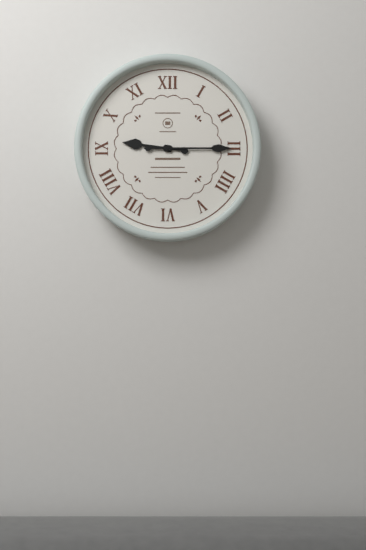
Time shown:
9.15
